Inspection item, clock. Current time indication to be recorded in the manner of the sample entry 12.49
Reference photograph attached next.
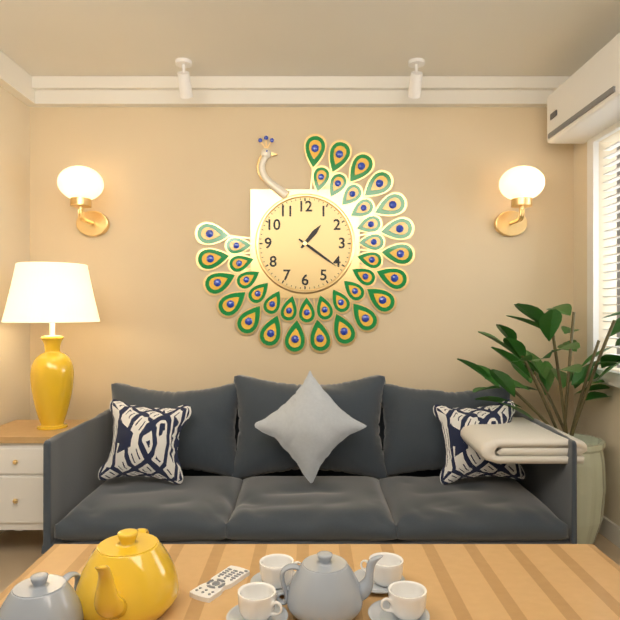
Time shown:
1.21
